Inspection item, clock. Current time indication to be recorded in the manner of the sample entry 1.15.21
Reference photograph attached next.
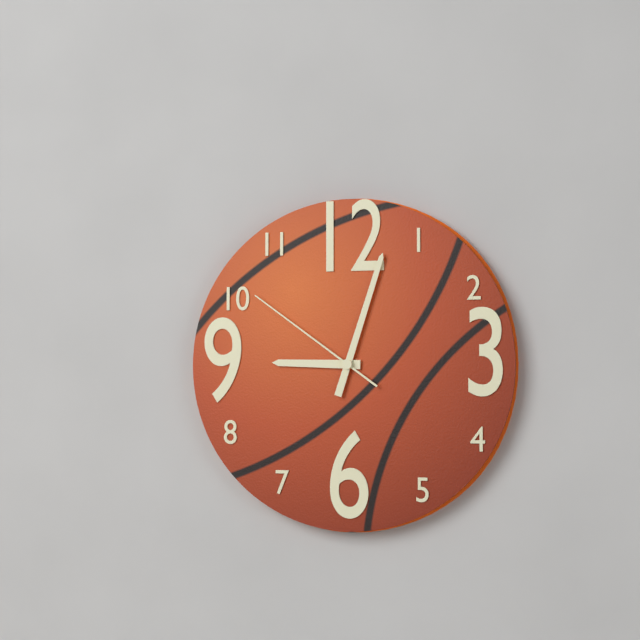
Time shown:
9.03.51
